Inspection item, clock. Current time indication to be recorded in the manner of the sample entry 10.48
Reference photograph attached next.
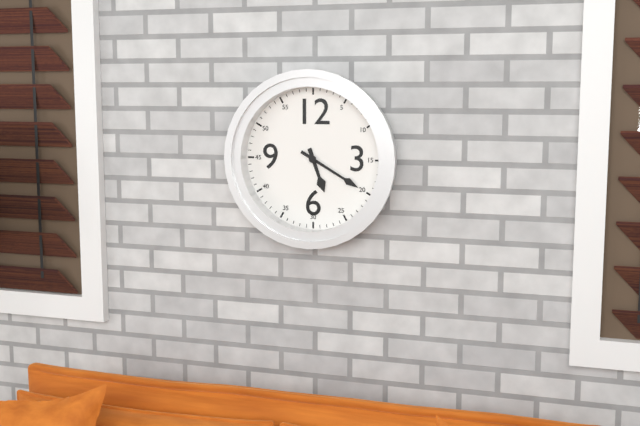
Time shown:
5.20
